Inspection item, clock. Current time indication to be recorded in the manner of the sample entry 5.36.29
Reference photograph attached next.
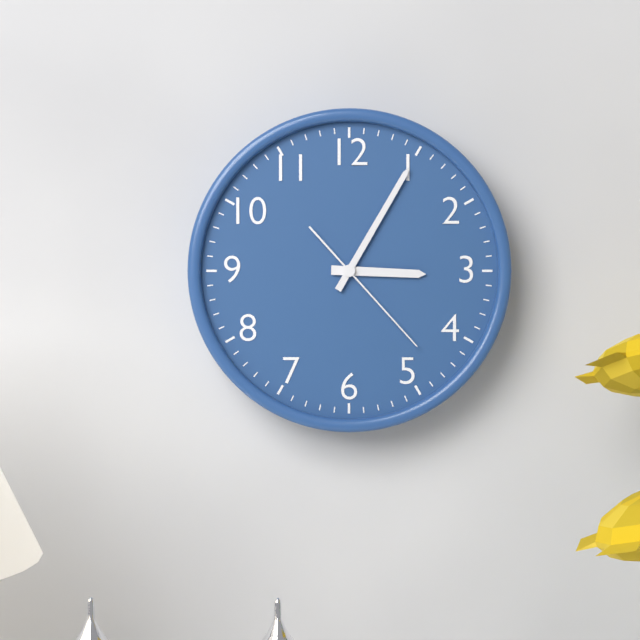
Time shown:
3.05.23
